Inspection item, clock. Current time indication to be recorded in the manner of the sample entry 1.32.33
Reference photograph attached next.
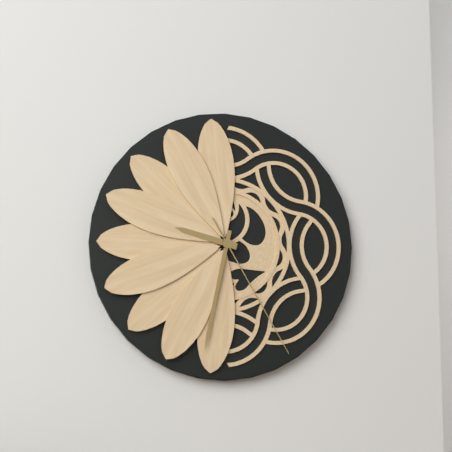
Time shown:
9.32.25
